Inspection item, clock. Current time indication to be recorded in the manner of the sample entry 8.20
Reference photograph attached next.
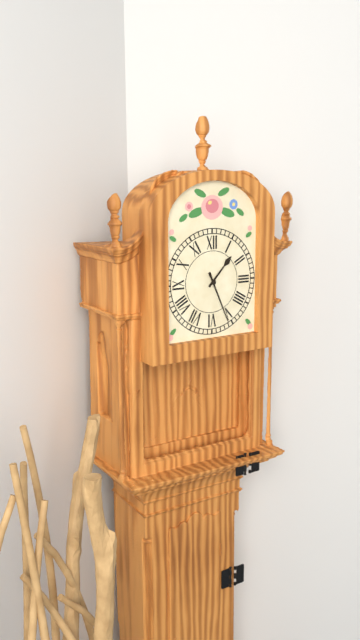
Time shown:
1.26
